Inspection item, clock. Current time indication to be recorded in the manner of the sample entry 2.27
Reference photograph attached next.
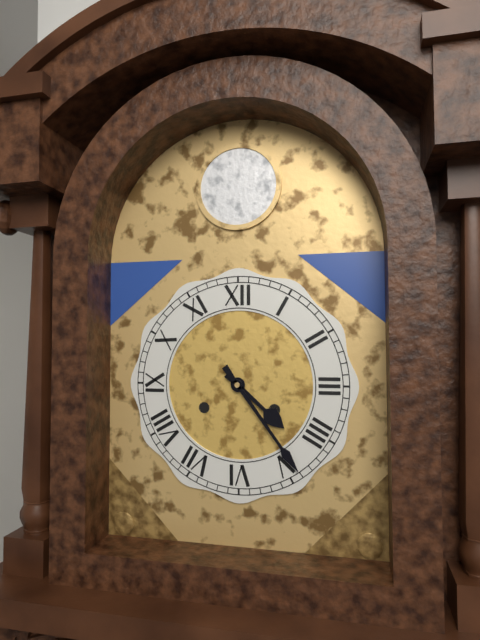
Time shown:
4.24
